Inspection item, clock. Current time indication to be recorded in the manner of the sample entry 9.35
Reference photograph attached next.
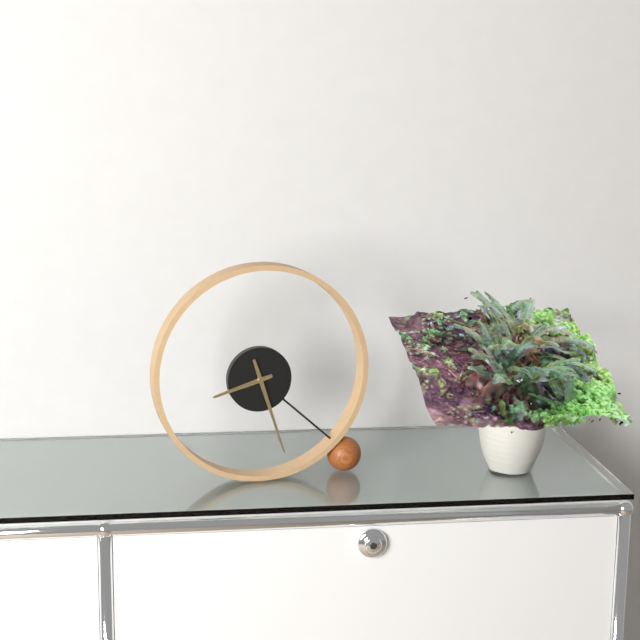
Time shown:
8.27
